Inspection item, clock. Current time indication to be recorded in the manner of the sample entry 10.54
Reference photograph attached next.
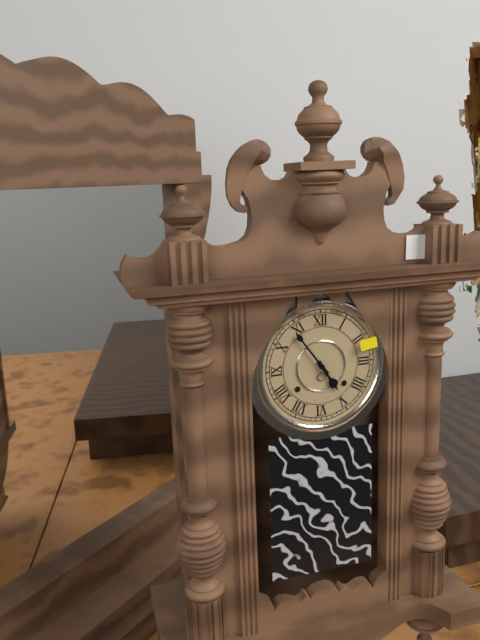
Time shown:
4.54
